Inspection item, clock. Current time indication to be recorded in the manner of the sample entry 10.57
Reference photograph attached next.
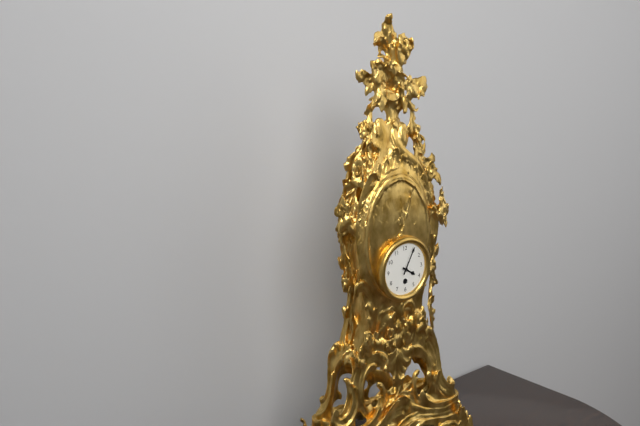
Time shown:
4.05
